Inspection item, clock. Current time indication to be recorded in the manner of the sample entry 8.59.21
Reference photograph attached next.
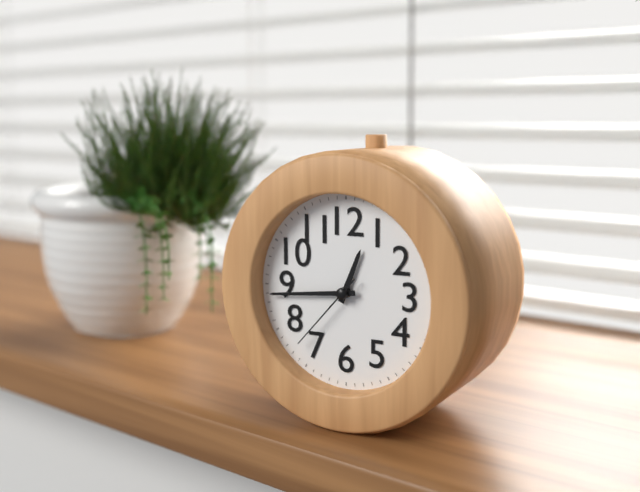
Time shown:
12.44.37
